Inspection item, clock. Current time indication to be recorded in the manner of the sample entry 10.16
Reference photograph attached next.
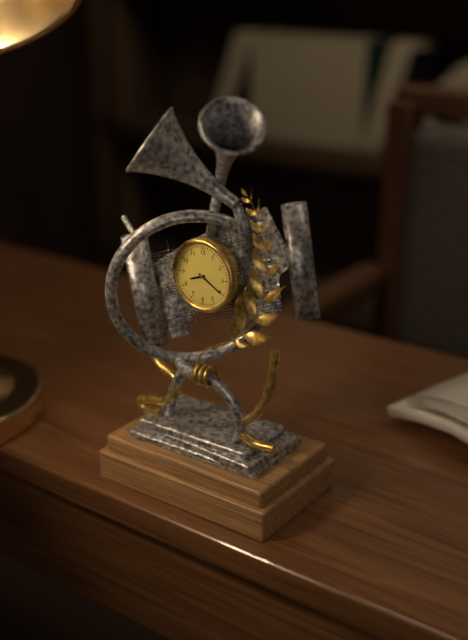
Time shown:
8.20
